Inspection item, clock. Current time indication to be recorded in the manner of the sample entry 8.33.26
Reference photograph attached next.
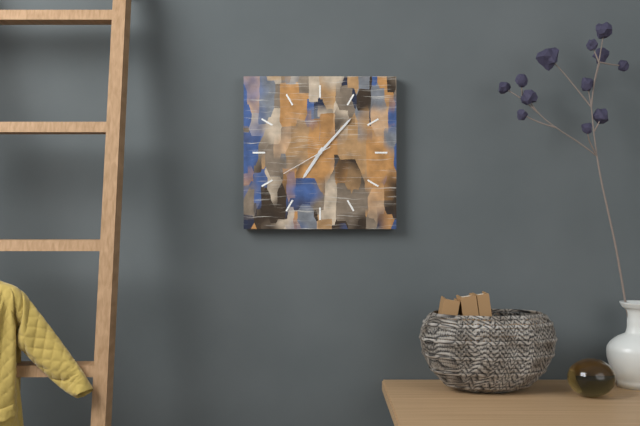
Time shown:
7.07.40
